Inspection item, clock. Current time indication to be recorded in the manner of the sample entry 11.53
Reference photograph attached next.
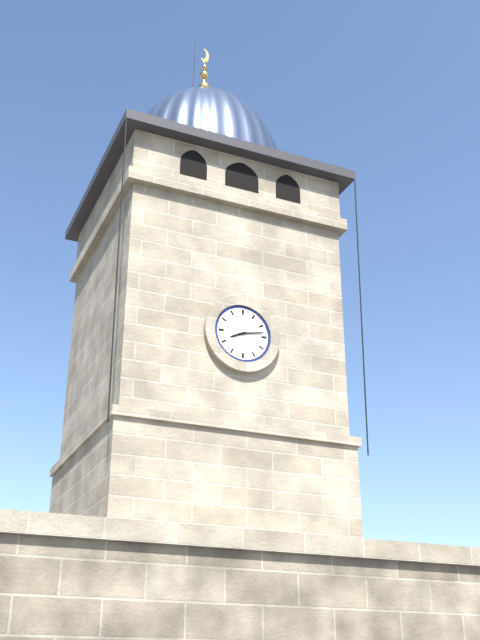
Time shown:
8.13
